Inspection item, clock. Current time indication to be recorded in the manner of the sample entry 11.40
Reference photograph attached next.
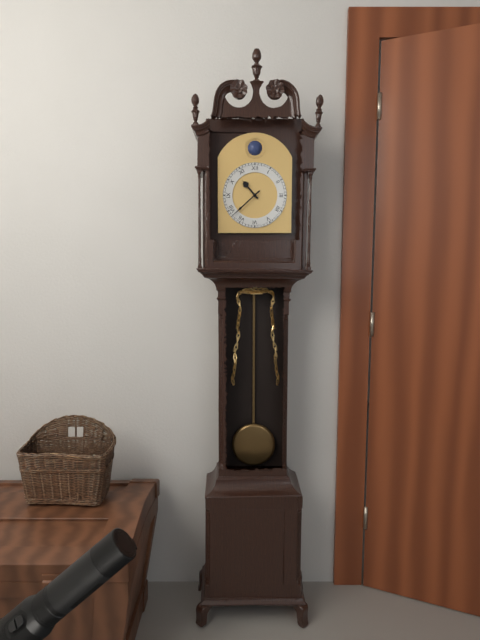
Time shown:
10.38
